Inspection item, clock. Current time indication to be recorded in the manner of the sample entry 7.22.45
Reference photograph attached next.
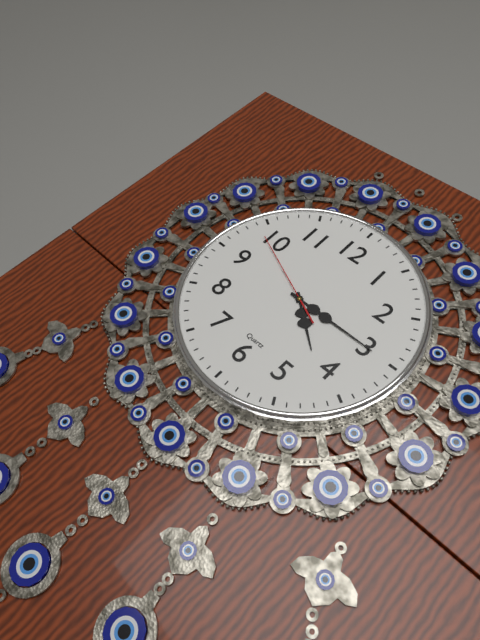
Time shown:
4.15.49
